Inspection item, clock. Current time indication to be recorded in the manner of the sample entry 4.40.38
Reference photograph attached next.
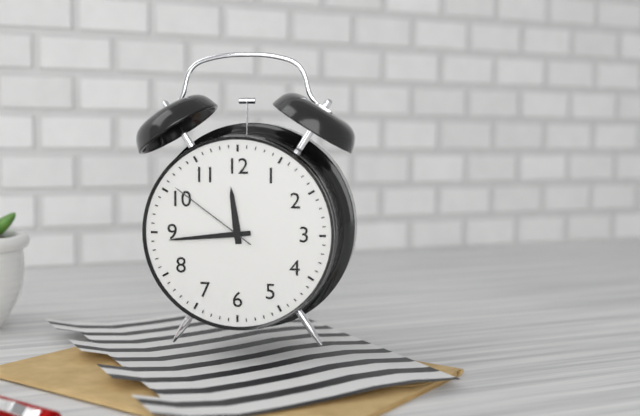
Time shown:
11.44.51
